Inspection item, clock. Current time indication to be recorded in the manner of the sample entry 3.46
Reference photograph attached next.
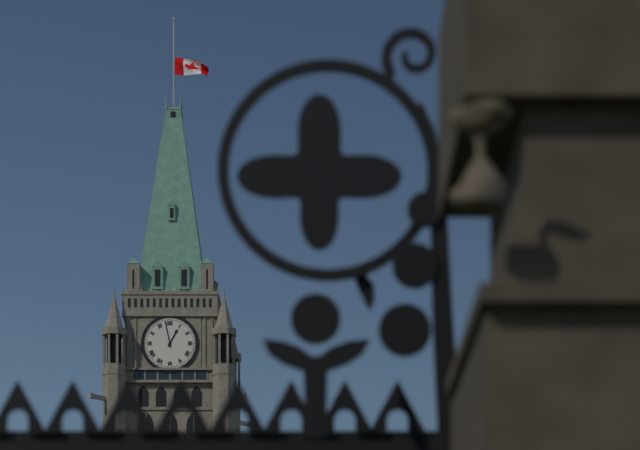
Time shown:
12.58
